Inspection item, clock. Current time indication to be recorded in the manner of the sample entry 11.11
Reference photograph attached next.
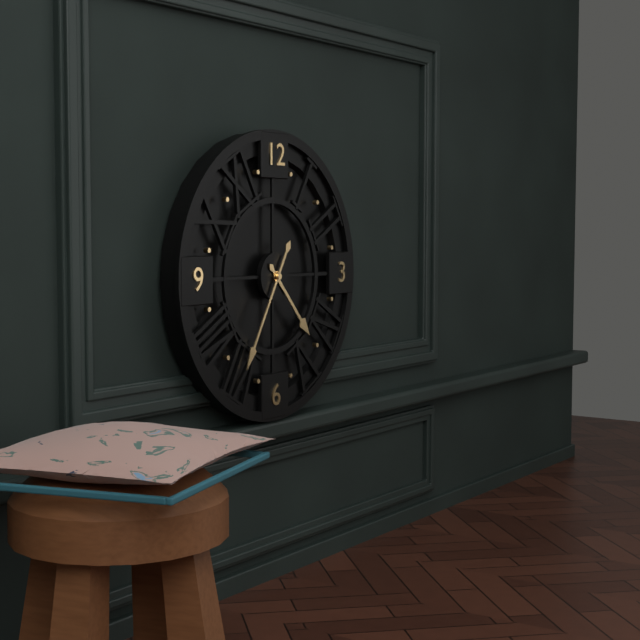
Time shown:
4.35
